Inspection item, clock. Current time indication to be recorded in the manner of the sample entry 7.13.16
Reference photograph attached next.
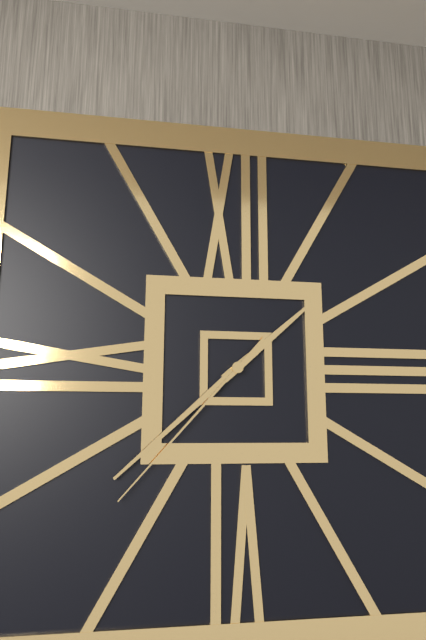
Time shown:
1.38.37
